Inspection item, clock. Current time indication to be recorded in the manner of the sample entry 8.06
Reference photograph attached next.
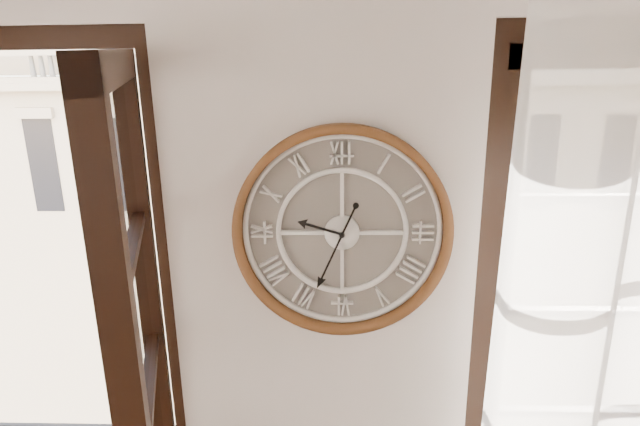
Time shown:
9.34
